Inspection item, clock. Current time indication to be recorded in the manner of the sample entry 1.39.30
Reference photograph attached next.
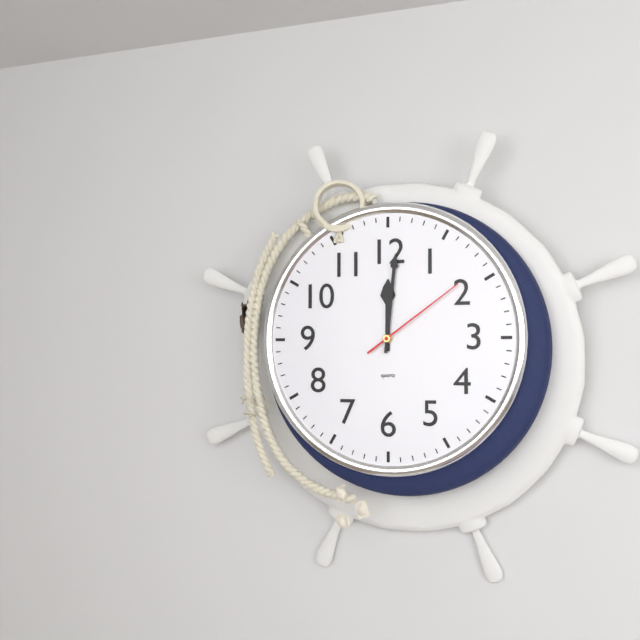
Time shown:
12.01.09
